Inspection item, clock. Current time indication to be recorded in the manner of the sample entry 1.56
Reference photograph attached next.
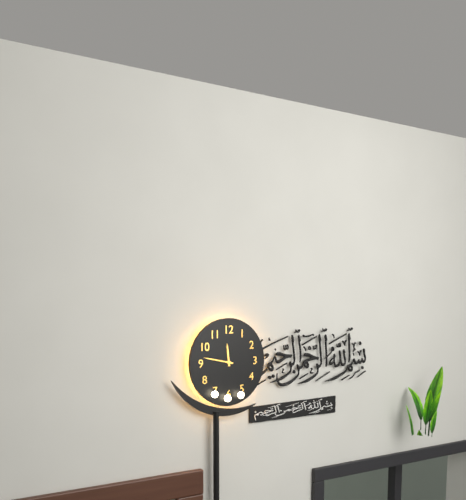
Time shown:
11.47
